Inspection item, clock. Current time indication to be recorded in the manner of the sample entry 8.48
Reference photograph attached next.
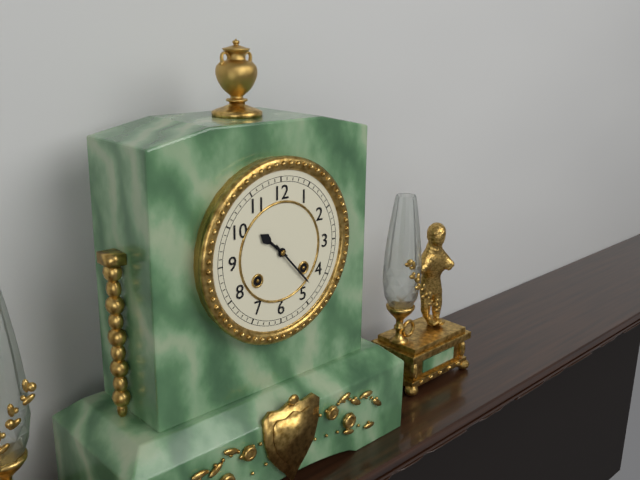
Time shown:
10.23
